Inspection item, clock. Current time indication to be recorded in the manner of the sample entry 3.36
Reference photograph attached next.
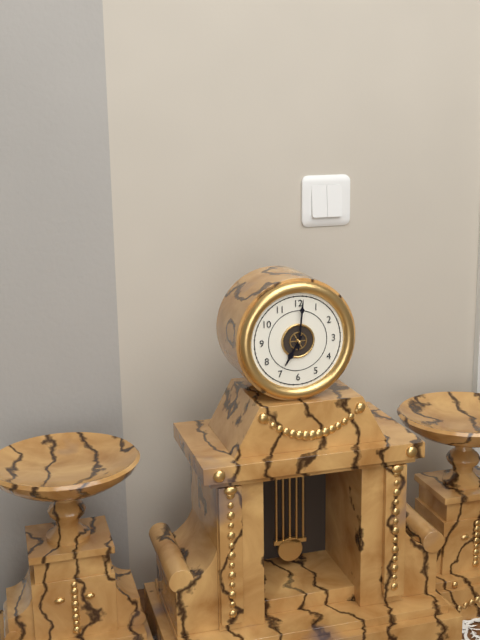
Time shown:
7.01
